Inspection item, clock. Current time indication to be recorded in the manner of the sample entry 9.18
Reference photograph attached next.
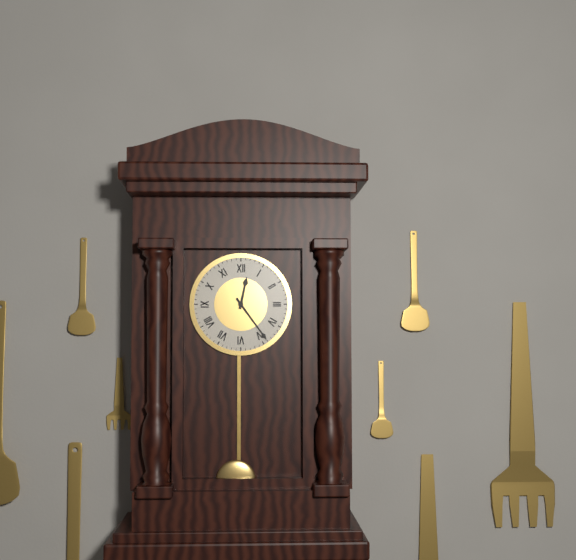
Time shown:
12.24
